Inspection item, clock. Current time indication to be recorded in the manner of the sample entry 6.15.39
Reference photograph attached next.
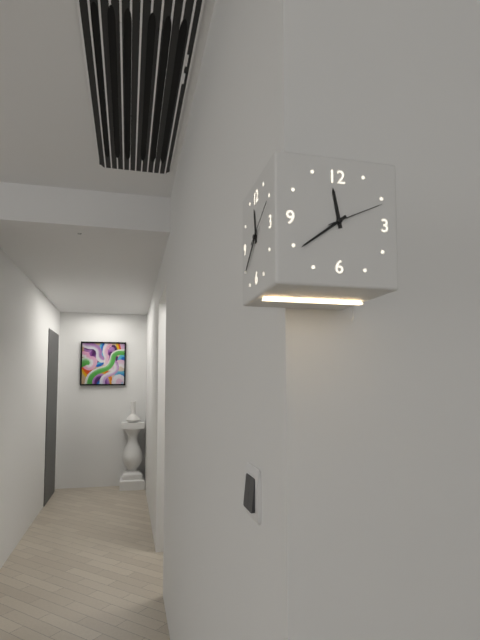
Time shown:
11.39.11
